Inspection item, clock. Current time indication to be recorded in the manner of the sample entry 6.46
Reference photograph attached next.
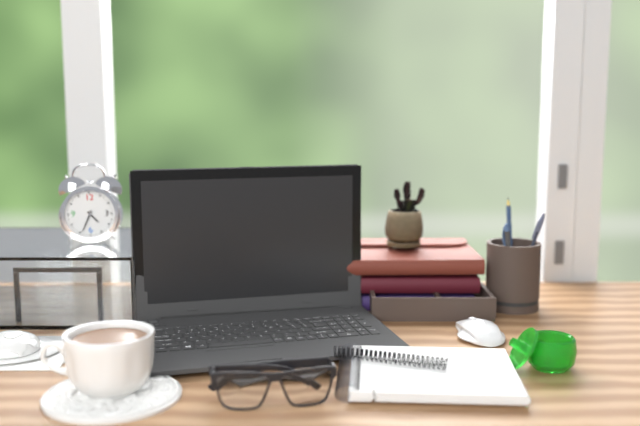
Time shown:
4.34
